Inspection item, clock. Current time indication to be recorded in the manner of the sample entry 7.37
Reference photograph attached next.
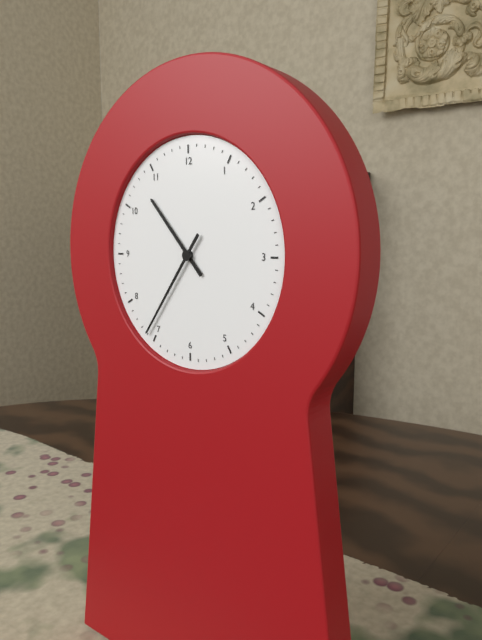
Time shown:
10.36
